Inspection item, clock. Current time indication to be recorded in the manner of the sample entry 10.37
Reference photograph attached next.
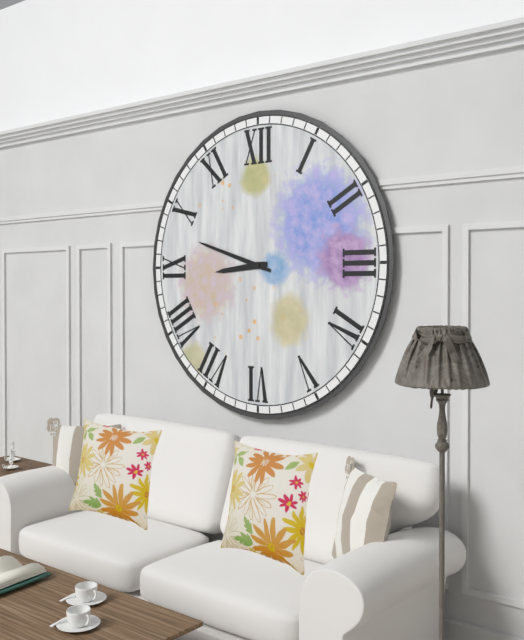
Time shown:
8.48
